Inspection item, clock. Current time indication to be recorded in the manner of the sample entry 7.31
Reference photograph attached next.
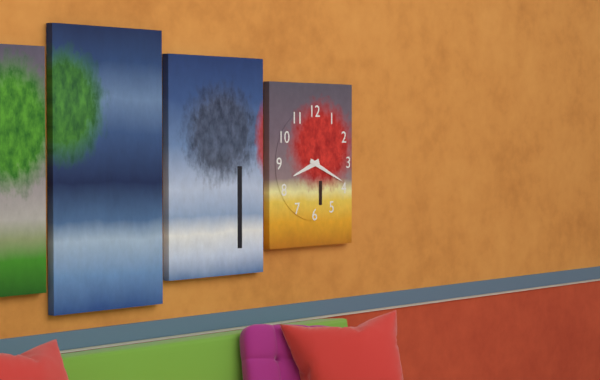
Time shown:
8.19
